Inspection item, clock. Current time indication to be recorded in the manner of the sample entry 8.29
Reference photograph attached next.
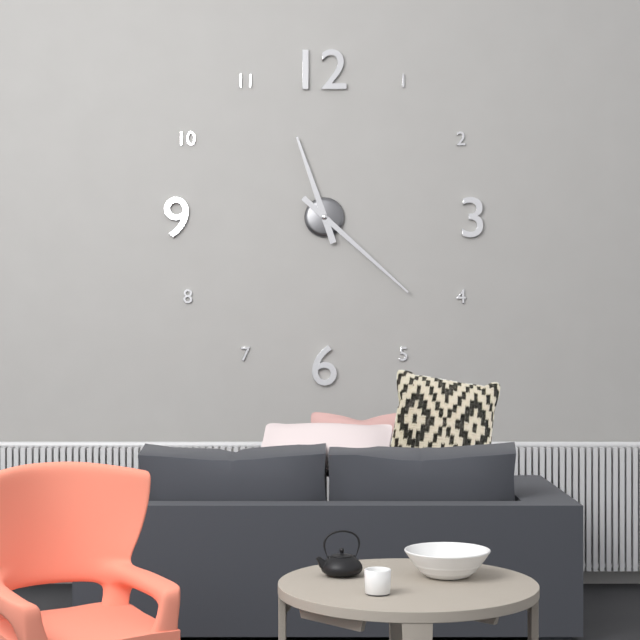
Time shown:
11.22
